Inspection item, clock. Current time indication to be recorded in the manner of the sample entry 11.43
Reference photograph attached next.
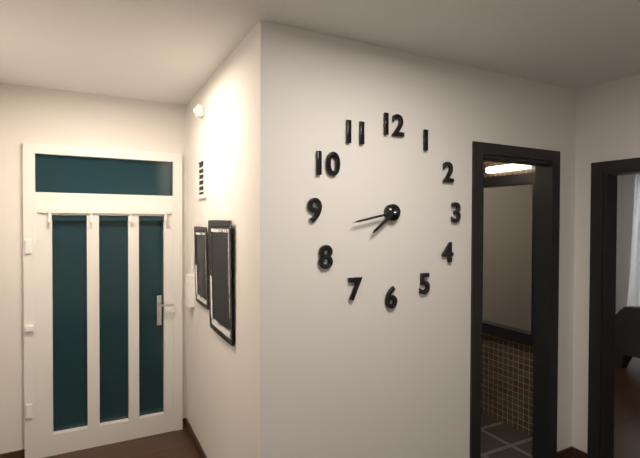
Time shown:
7.43
